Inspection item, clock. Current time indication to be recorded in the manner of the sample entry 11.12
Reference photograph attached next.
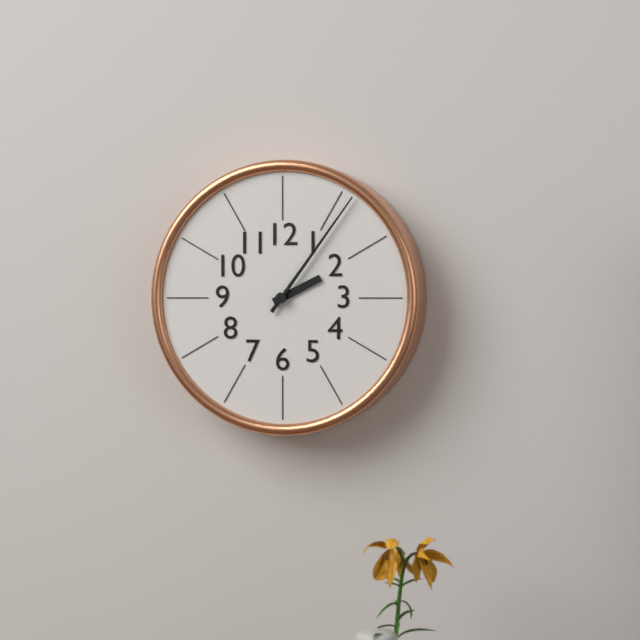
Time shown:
2.06
